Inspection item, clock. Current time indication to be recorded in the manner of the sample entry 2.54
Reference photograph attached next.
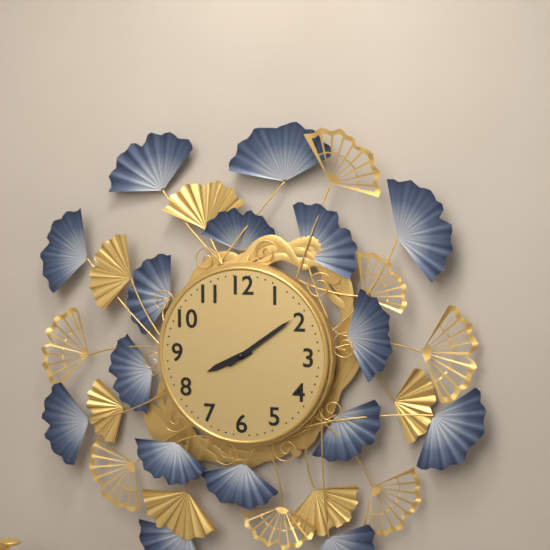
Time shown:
8.09
